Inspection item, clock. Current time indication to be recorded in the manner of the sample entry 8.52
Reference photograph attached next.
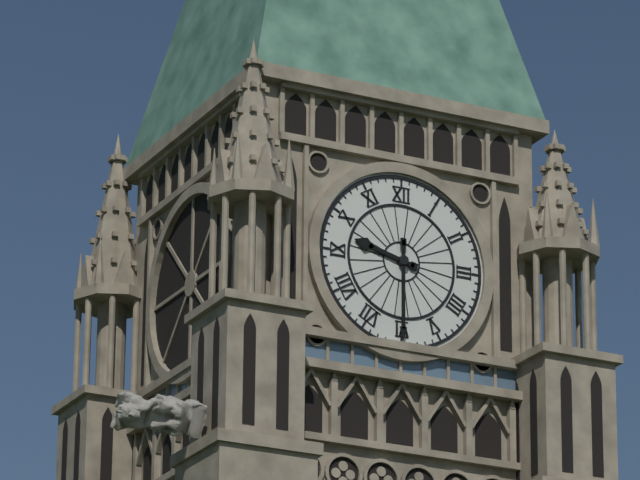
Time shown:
9.30
